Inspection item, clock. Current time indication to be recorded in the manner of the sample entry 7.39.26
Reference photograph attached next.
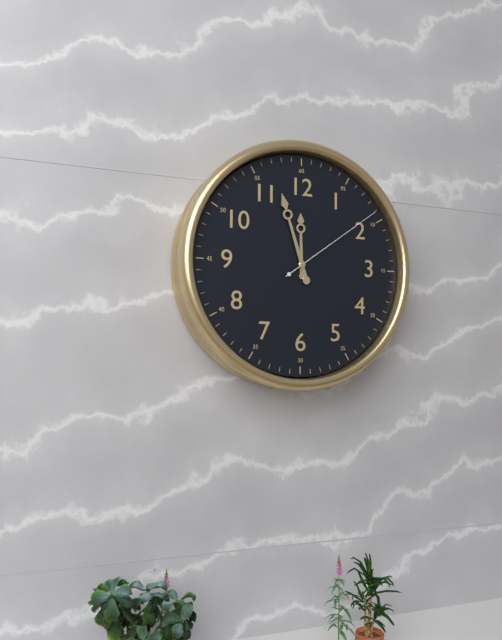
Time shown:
11.57.09
